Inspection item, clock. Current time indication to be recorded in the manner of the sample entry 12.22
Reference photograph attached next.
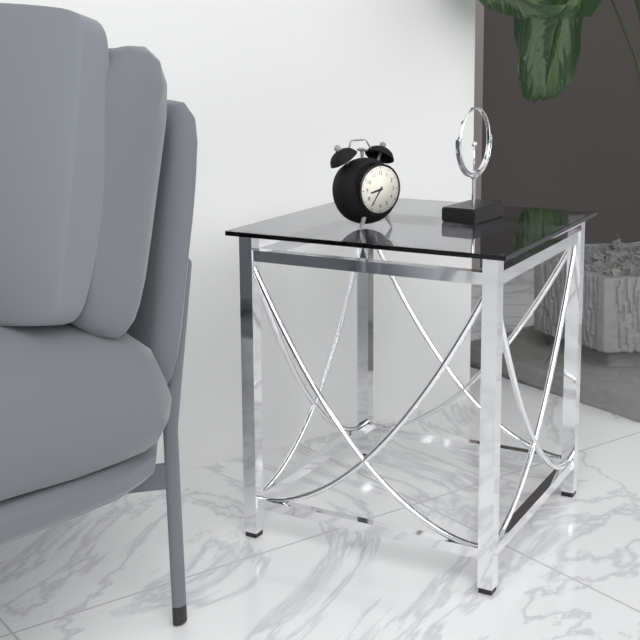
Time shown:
8.36
